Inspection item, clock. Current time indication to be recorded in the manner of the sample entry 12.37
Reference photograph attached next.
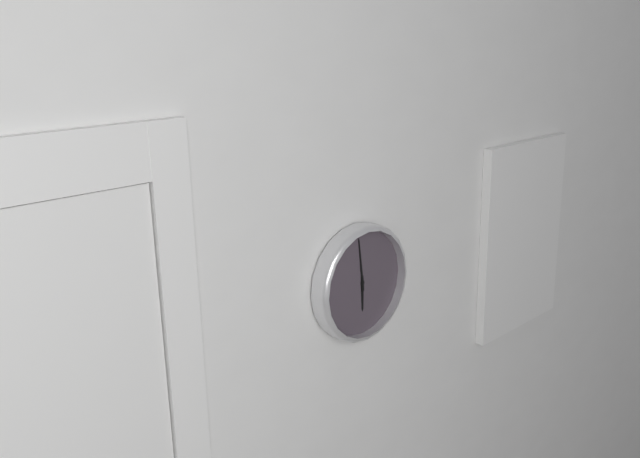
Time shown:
5.59
